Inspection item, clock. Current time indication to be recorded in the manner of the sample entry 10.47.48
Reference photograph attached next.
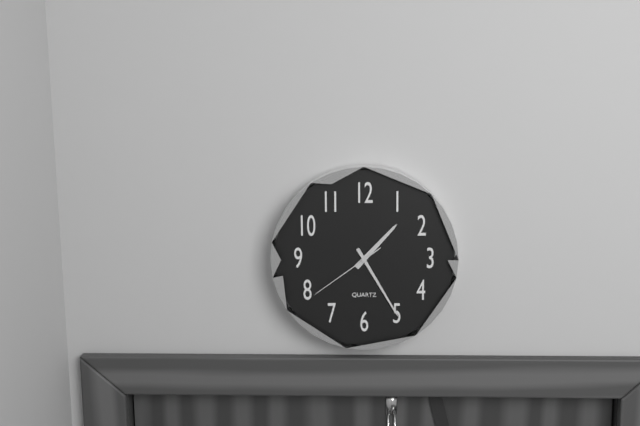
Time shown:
1.25.39
